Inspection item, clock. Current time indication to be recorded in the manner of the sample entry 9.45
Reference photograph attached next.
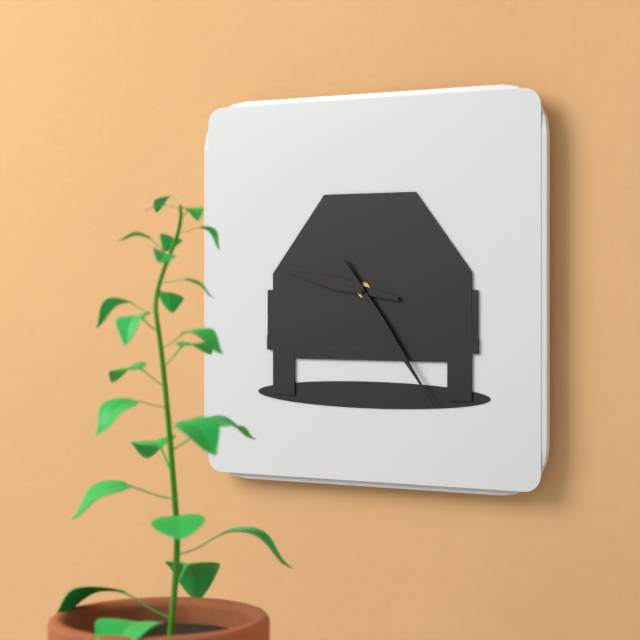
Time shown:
9.24
